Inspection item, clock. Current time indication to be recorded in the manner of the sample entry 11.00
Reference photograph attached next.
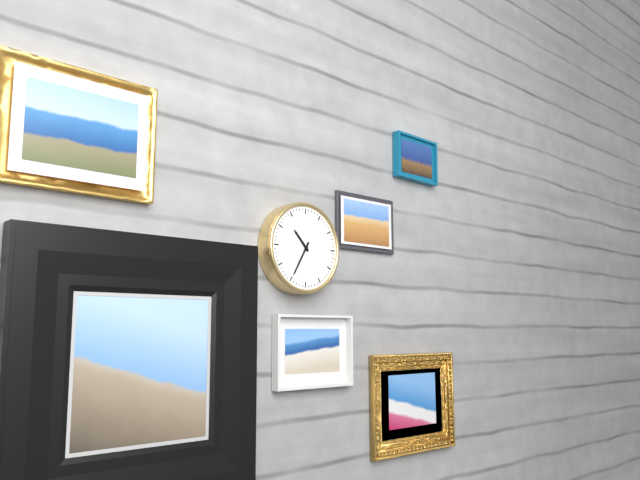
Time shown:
10.35
